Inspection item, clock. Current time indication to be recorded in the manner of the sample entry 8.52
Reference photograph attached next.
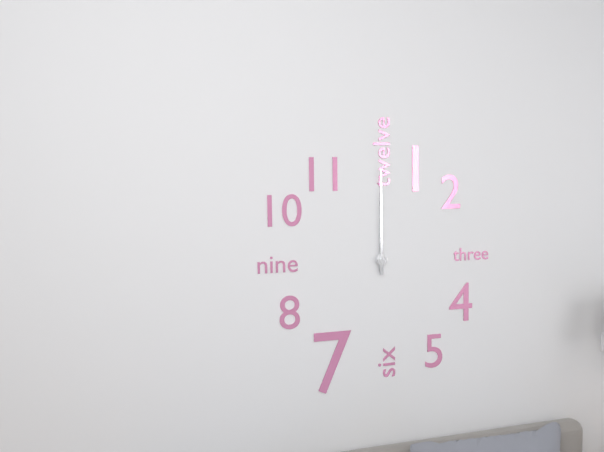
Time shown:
12.00
